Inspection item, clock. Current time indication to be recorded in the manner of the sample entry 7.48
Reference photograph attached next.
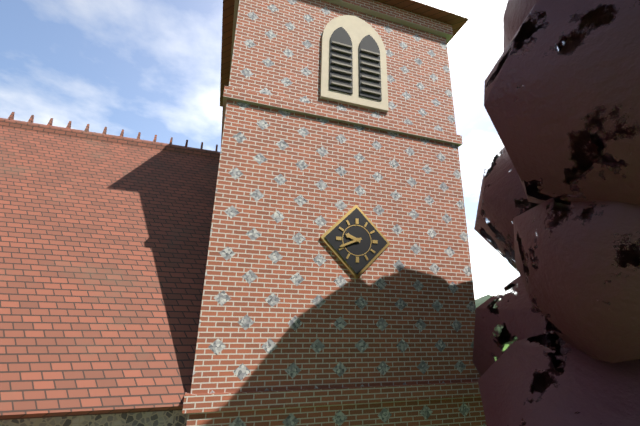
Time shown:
9.41
